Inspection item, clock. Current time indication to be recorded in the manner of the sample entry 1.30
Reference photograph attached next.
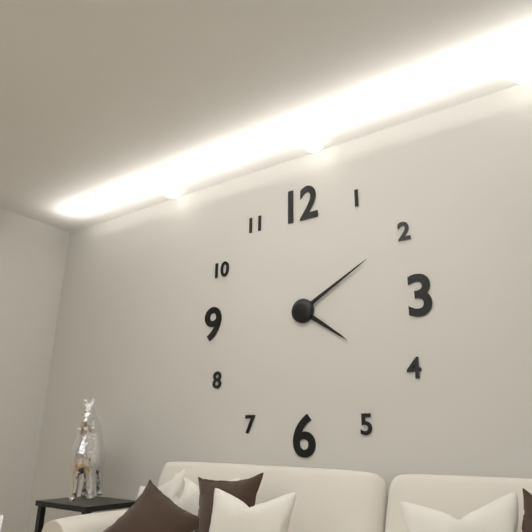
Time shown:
4.10
